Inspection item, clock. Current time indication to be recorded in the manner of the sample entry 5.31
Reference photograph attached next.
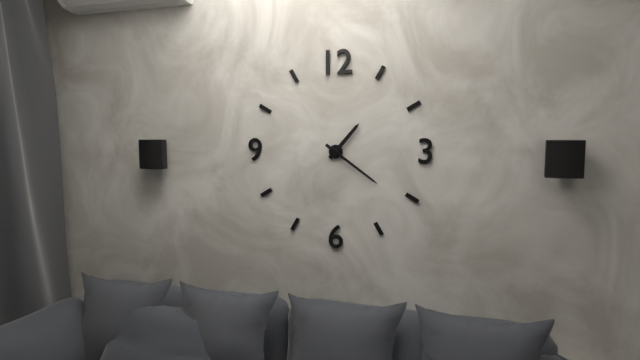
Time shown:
1.21
